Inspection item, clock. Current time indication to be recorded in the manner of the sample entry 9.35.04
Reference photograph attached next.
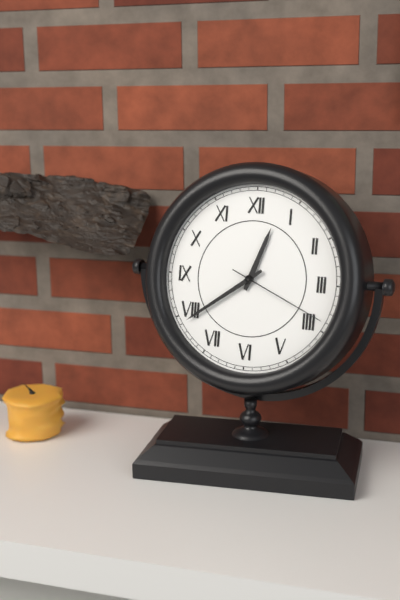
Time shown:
12.39.19
